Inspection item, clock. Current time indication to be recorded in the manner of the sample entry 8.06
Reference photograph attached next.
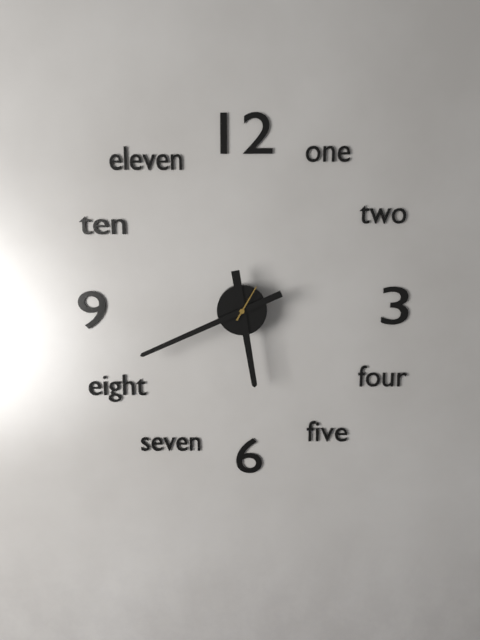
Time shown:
5.41
